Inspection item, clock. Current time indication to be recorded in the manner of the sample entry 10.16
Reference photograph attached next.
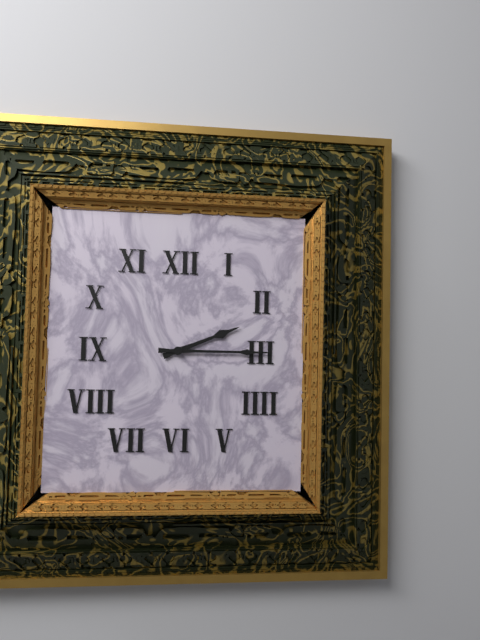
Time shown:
2.15
